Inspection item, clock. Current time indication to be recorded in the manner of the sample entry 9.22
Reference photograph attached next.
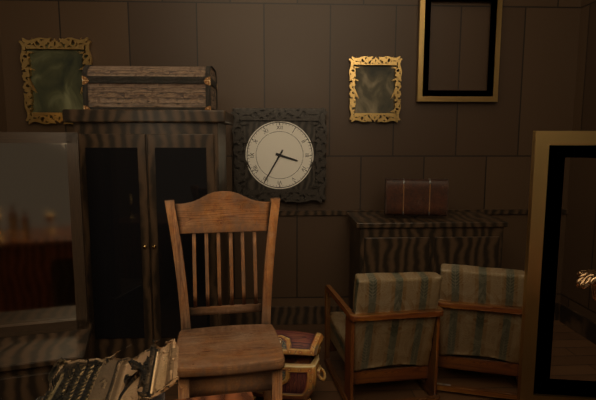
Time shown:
3.35
